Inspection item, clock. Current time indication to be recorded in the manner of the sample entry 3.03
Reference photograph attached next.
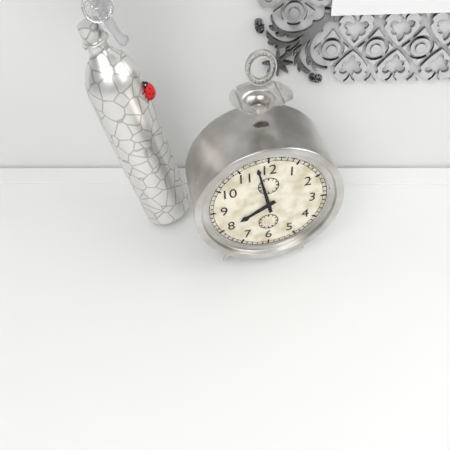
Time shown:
7.58
